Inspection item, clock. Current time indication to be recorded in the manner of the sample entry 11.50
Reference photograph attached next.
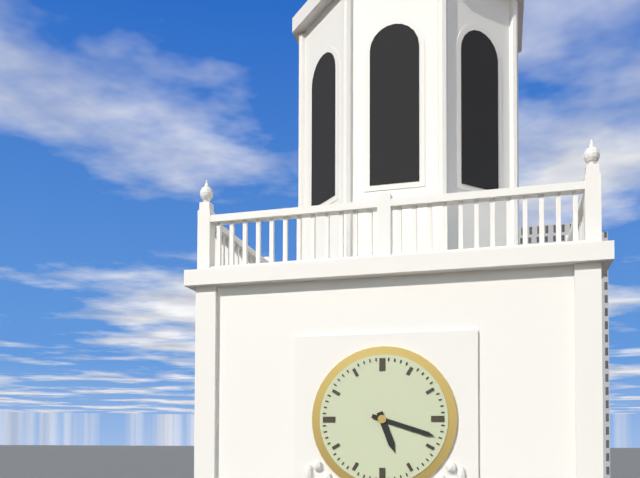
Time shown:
5.18
